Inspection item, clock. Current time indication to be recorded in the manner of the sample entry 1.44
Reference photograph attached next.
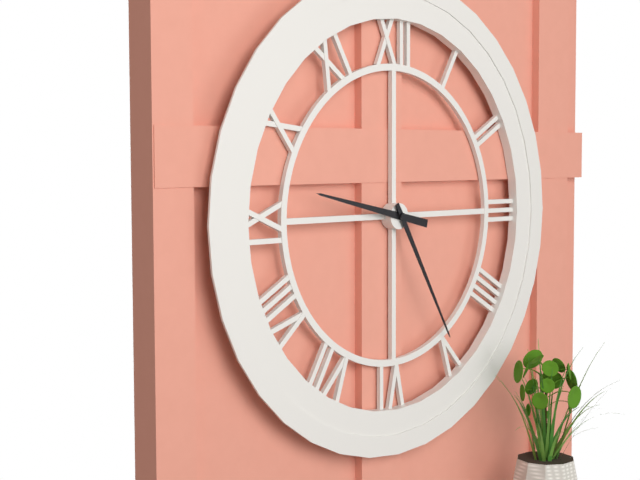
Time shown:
9.25
